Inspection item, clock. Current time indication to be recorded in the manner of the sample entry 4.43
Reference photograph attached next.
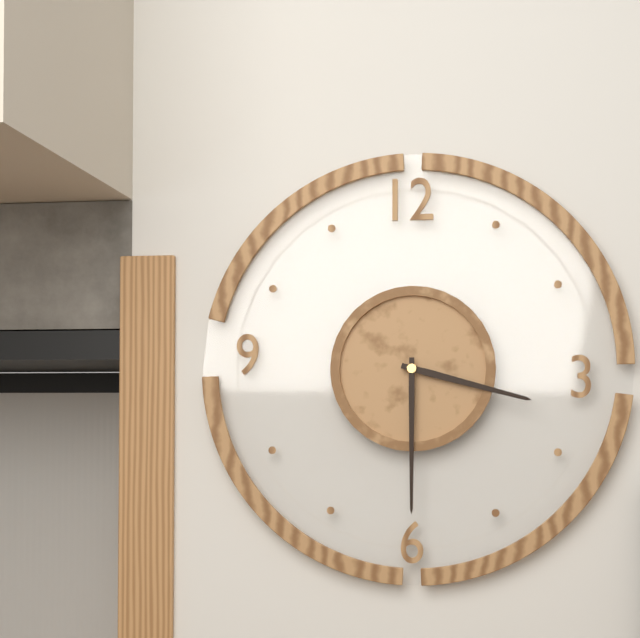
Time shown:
3.30
